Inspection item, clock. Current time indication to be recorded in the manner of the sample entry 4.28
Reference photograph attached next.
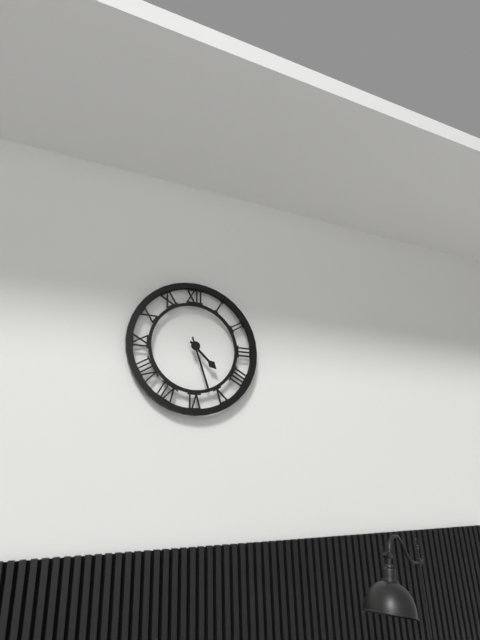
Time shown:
4.27
